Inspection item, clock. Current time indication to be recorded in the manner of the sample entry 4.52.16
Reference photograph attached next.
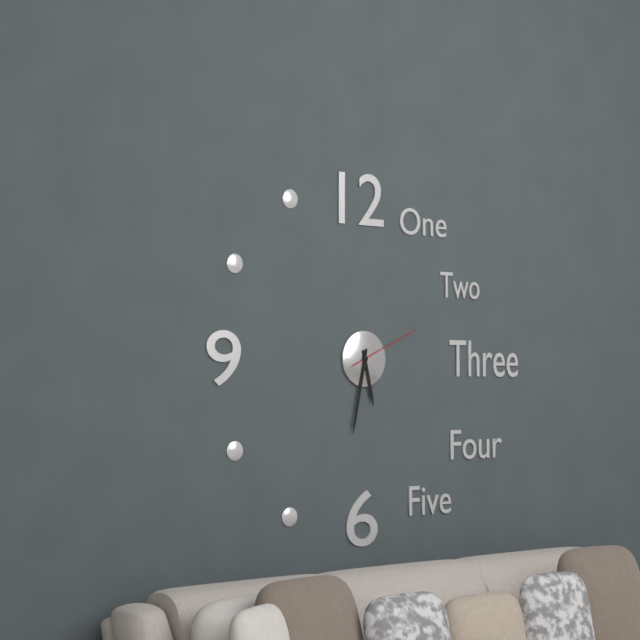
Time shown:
5.32.11
